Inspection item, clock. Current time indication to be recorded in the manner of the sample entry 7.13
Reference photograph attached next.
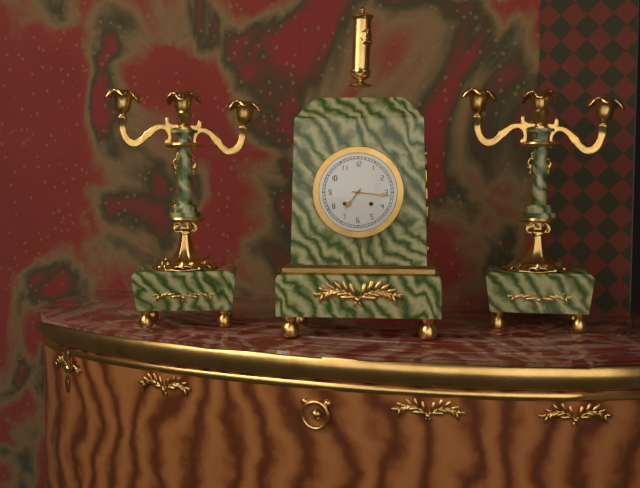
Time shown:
7.16
